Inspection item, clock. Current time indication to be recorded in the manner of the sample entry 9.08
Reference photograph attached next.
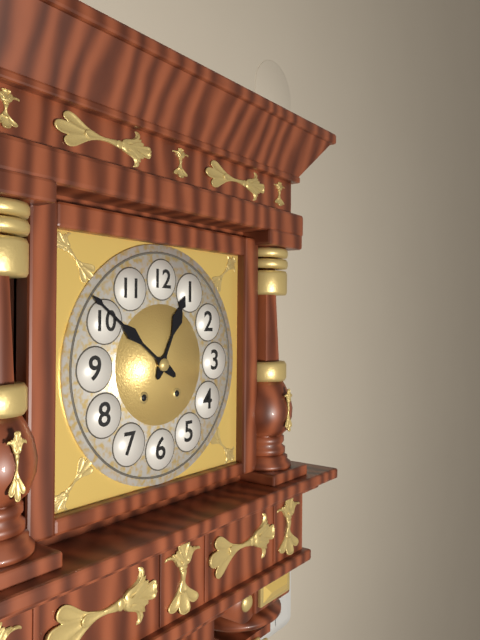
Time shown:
12.51
